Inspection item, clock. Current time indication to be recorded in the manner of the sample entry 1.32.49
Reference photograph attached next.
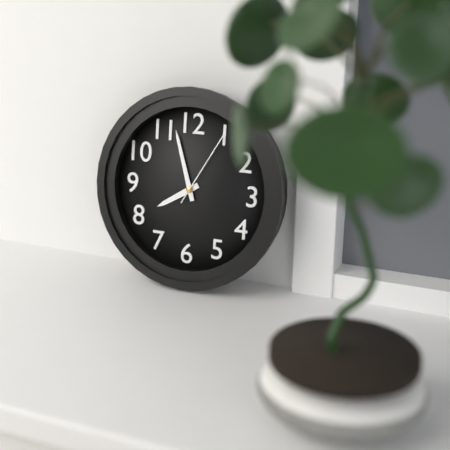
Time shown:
7.57.05
